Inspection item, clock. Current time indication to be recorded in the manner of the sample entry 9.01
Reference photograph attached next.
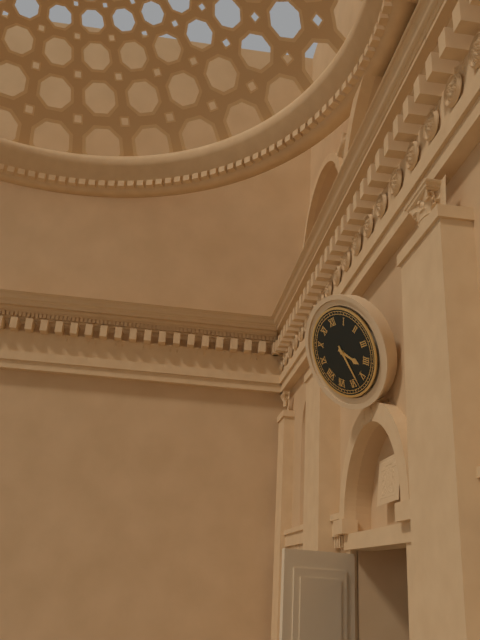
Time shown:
4.28
